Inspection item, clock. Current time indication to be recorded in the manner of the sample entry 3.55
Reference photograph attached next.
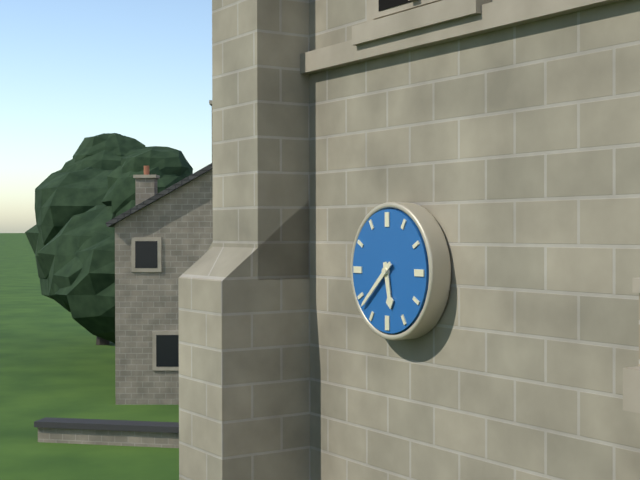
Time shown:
5.38
